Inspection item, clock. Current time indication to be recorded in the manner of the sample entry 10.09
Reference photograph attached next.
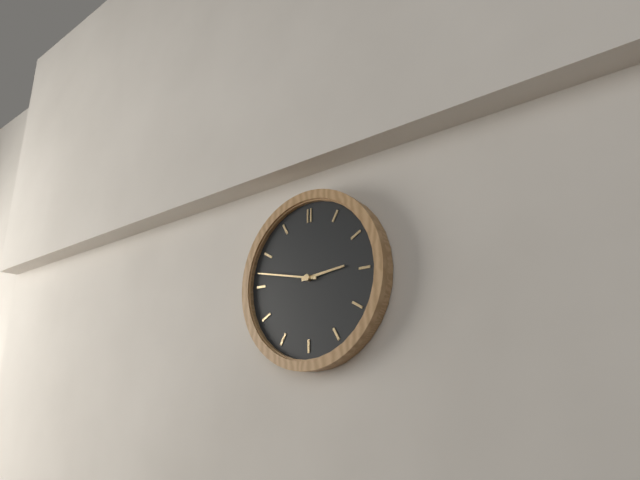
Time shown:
2.47
